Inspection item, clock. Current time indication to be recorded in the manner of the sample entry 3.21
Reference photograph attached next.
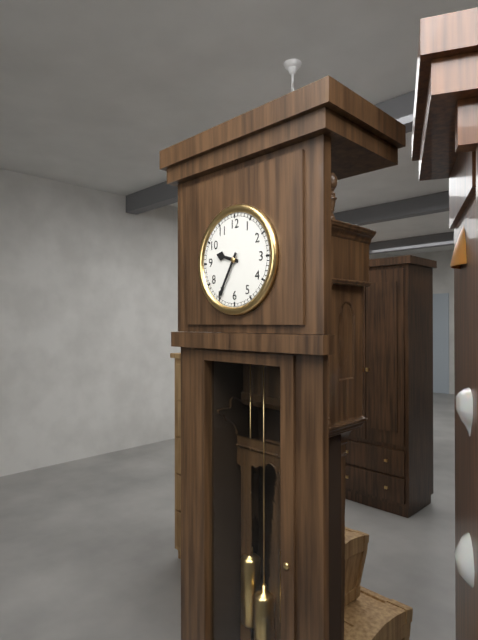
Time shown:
9.35
